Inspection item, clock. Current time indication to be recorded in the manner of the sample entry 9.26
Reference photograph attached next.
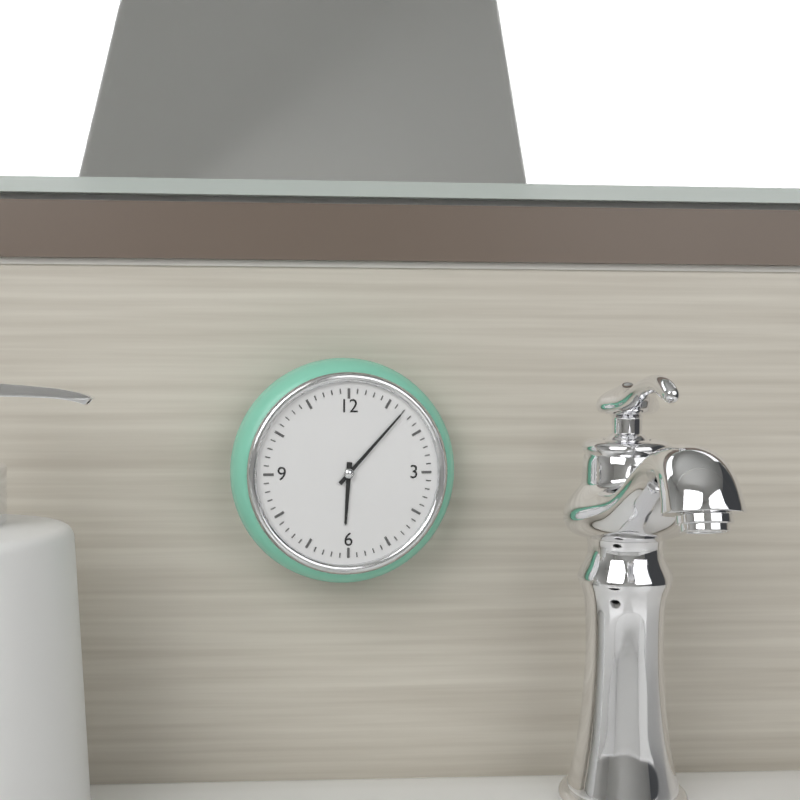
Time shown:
6.07
